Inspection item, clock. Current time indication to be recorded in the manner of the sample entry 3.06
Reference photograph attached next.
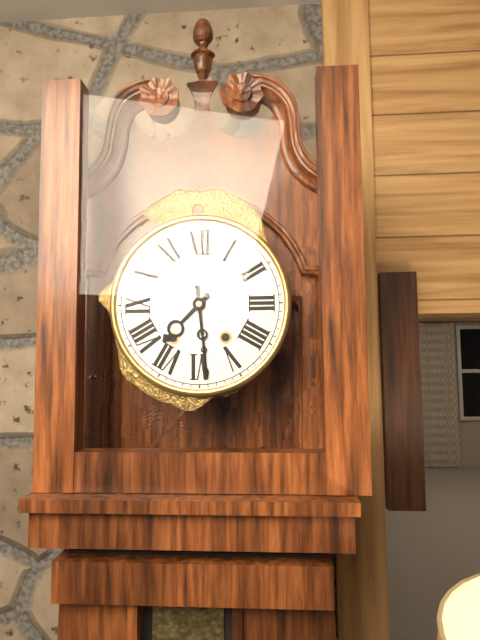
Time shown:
7.29
